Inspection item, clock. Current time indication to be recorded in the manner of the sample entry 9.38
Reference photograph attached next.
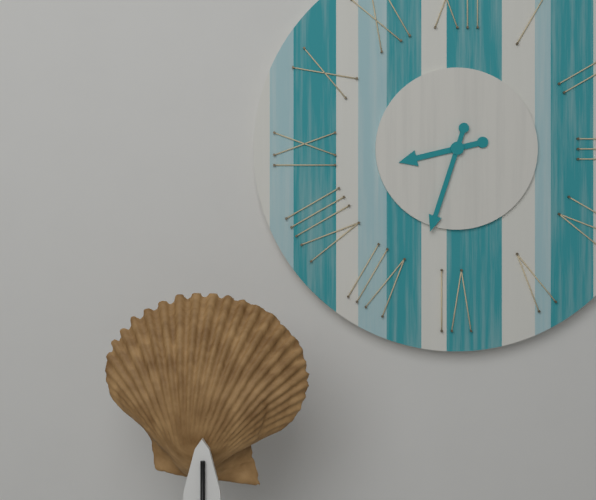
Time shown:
8.33
